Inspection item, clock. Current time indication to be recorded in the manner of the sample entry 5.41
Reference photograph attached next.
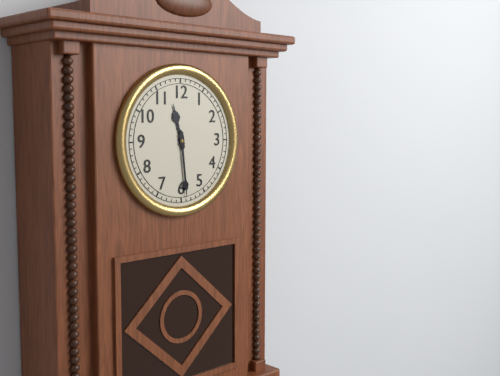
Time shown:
11.29
